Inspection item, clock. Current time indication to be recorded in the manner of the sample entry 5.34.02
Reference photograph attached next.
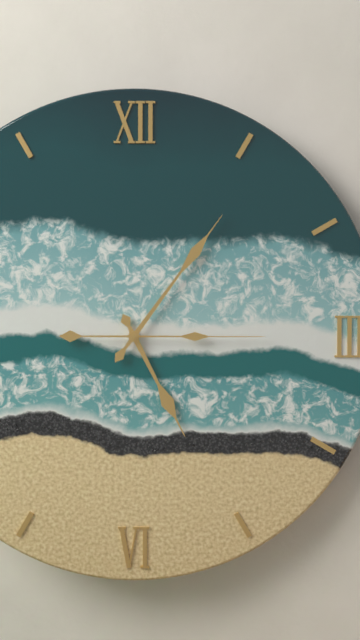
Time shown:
5.06.15
